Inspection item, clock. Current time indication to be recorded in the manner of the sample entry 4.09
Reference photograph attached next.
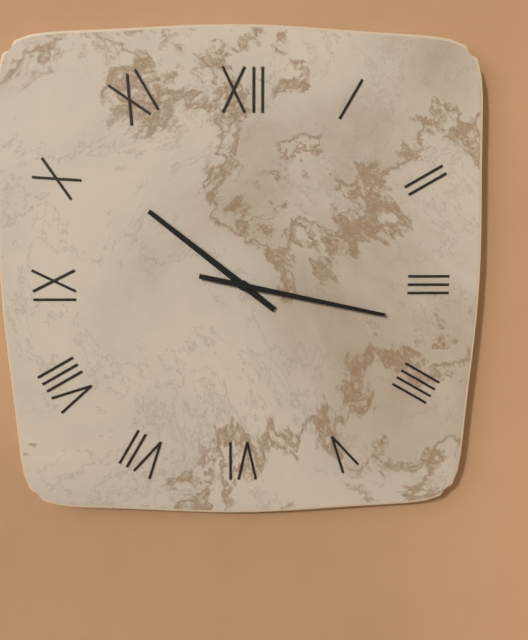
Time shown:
10.17
